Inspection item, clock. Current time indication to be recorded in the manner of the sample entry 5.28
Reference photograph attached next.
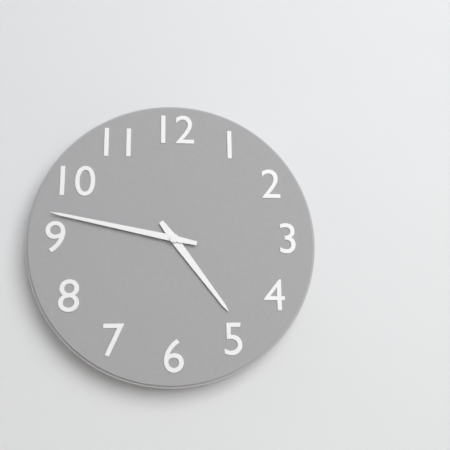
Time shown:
4.47
